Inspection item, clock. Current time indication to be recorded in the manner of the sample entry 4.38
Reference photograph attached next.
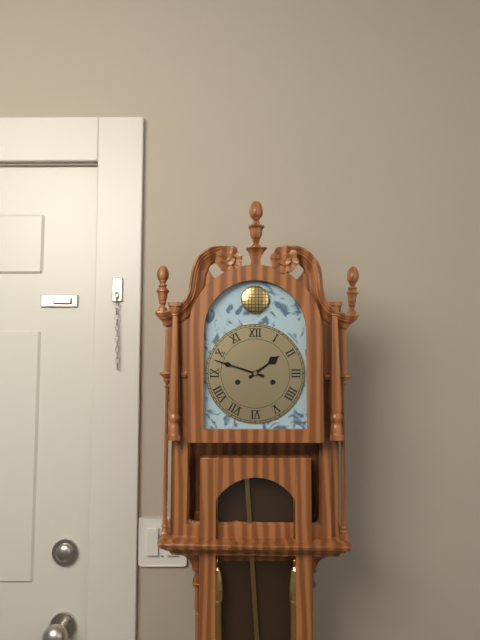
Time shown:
1.48
